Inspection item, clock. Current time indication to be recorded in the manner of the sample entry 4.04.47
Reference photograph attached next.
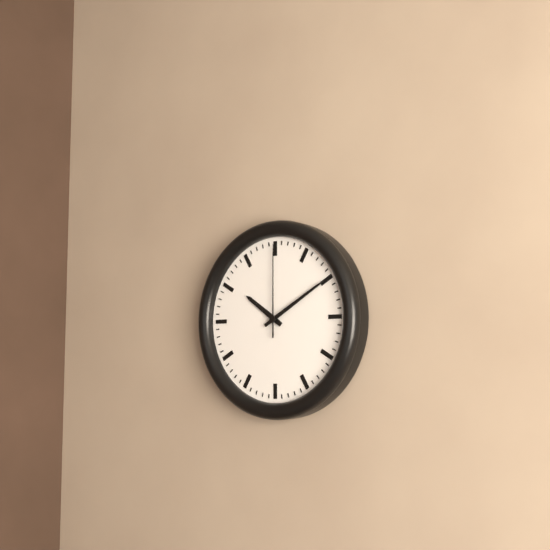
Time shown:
10.10.00
